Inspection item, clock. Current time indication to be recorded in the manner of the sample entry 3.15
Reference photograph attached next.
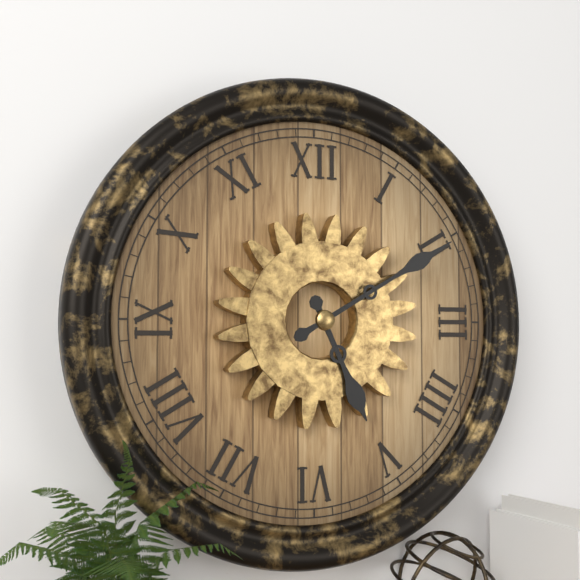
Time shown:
5.10
